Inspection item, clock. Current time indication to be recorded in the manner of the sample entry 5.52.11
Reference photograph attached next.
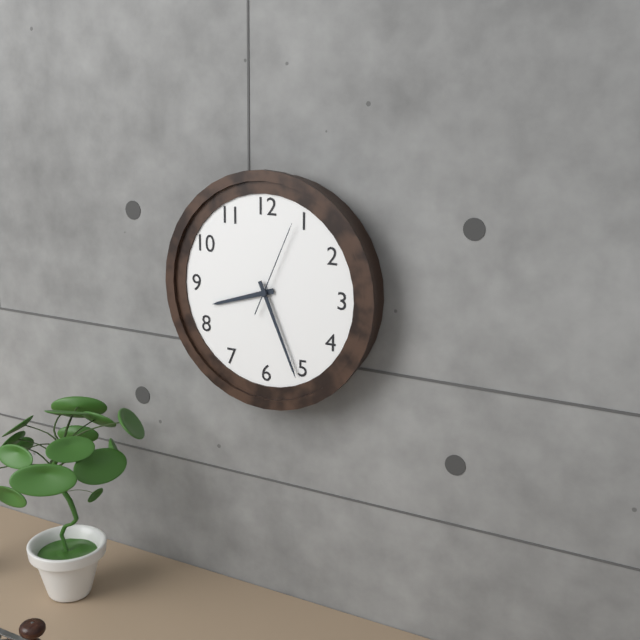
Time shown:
8.26.04
